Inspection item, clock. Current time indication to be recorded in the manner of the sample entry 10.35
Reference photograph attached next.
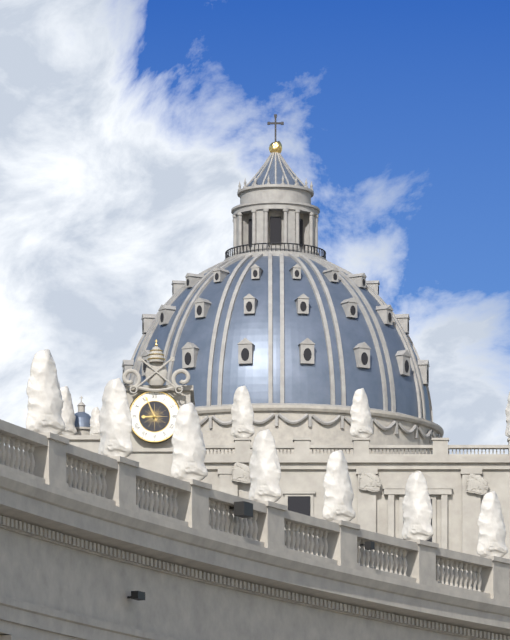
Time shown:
8.56
